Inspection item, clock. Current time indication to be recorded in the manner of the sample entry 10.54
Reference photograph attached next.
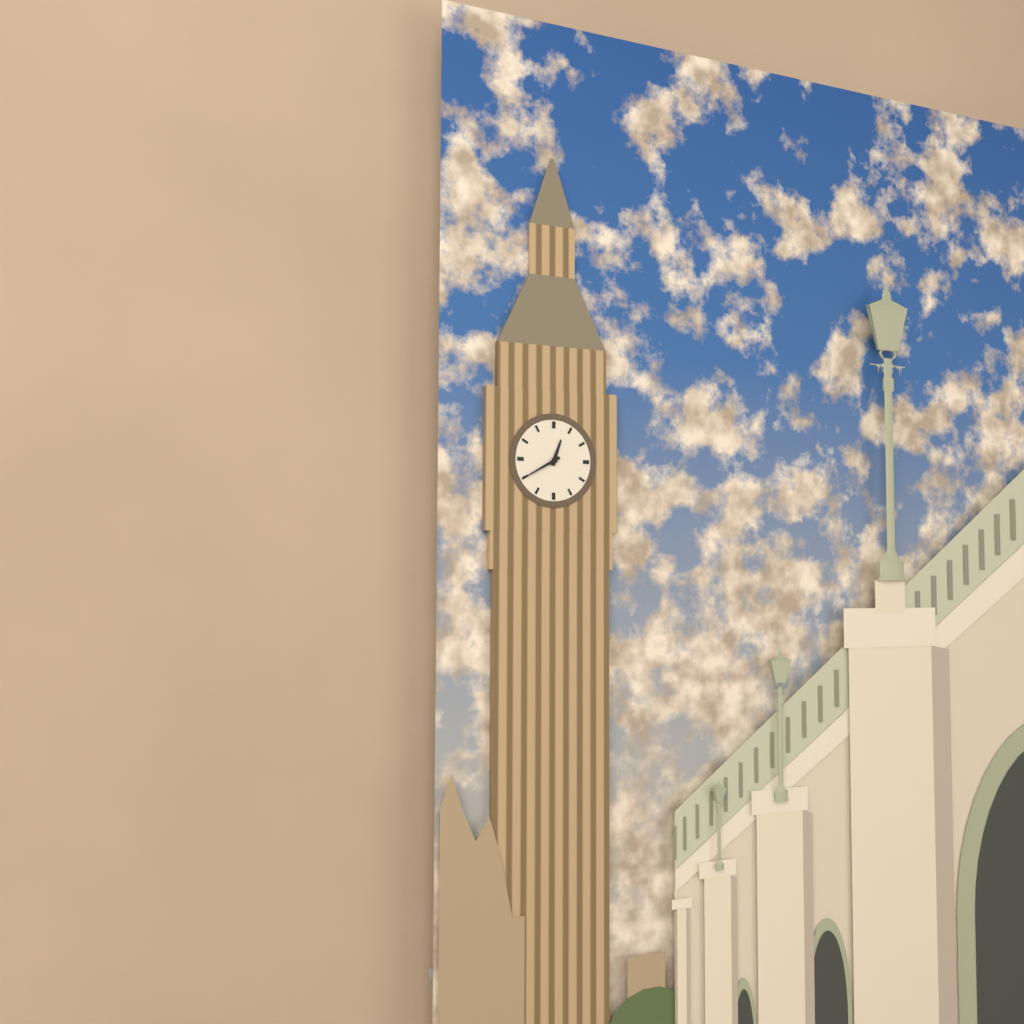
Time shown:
12.40
